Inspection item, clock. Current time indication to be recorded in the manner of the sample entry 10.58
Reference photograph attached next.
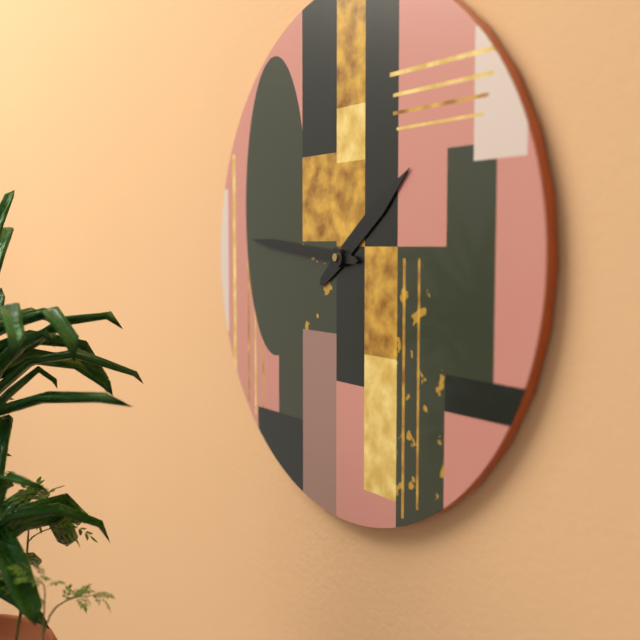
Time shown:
1.46
